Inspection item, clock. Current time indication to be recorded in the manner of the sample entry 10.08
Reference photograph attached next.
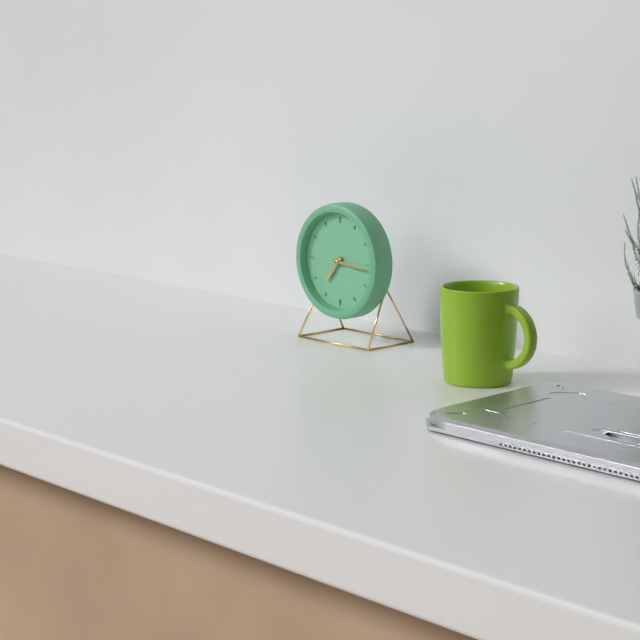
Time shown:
7.16
